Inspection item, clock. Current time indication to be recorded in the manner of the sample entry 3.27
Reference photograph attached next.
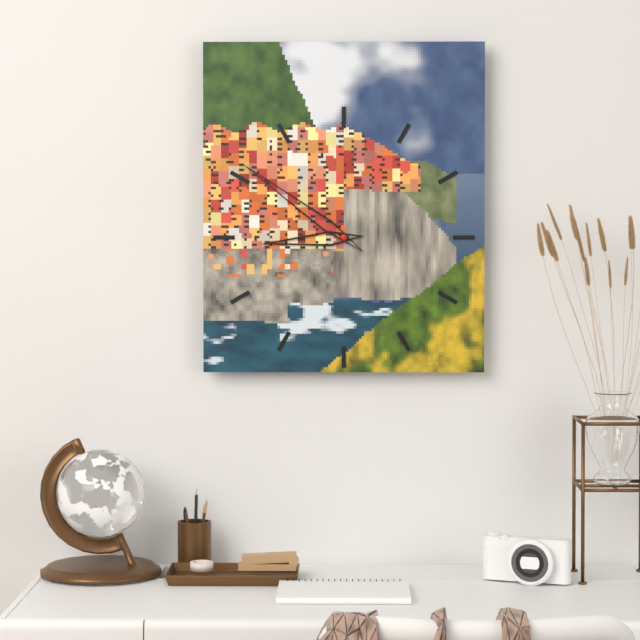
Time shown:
8.51
